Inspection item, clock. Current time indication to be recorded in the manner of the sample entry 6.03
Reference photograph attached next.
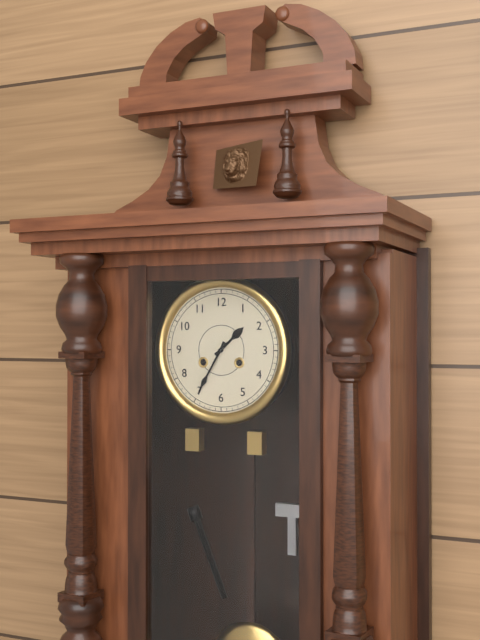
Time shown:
1.35
